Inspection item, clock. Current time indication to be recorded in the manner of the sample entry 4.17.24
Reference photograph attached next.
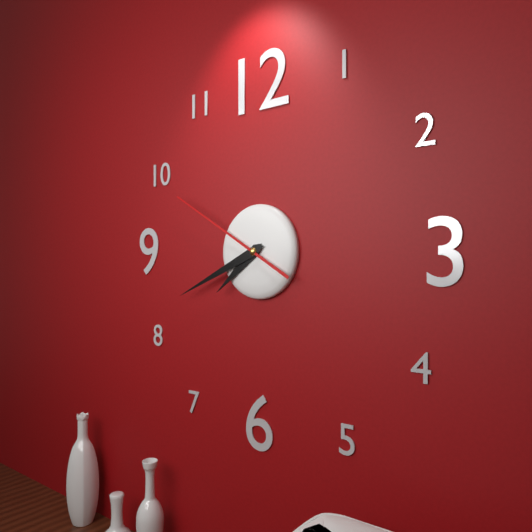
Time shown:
7.41.50
